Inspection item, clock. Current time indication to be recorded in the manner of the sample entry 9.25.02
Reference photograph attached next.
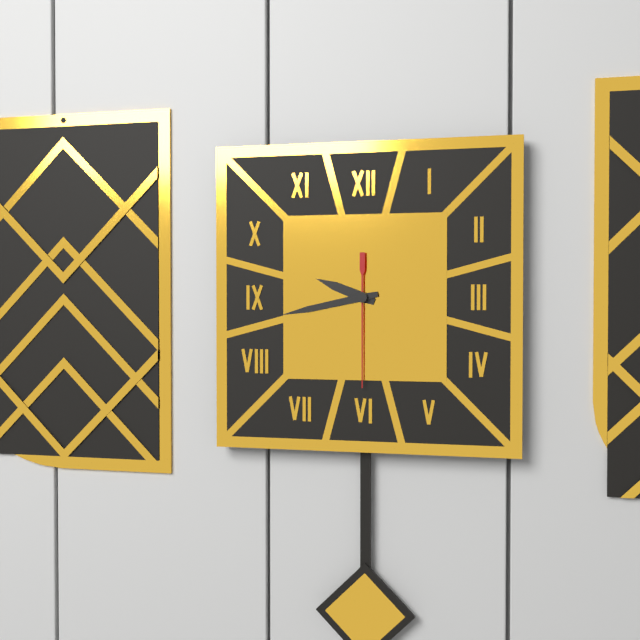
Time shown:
9.43.30
